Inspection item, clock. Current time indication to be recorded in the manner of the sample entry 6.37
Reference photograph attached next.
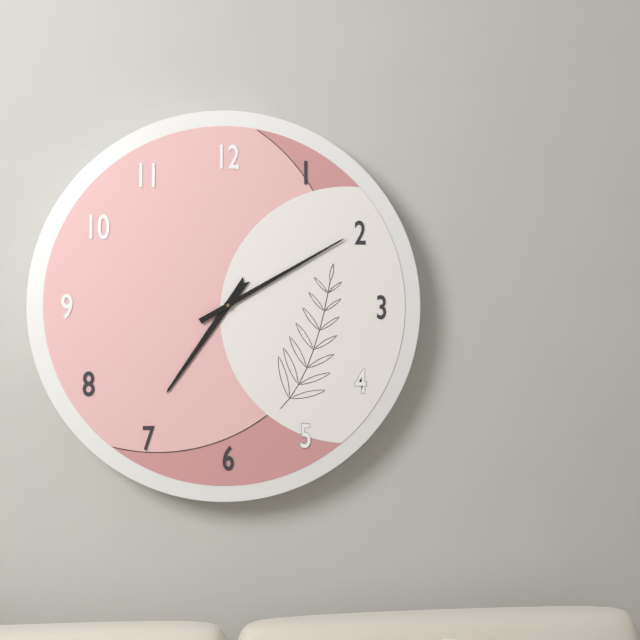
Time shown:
7.10
